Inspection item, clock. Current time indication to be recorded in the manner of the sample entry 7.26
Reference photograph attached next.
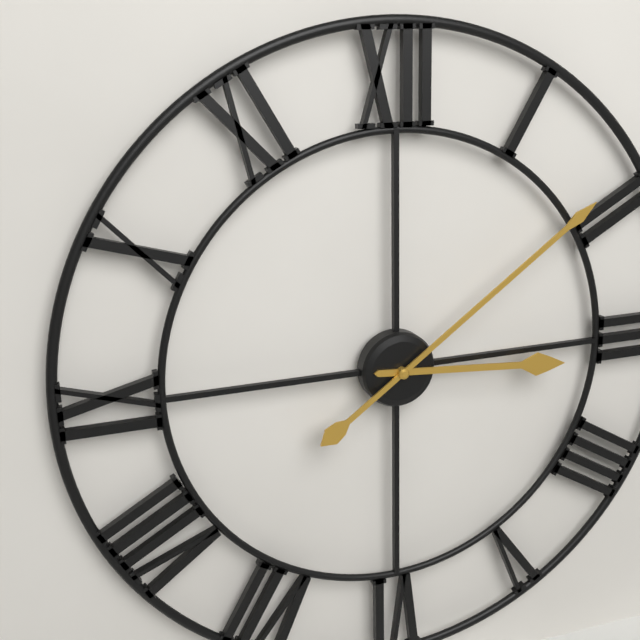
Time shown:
3.09
